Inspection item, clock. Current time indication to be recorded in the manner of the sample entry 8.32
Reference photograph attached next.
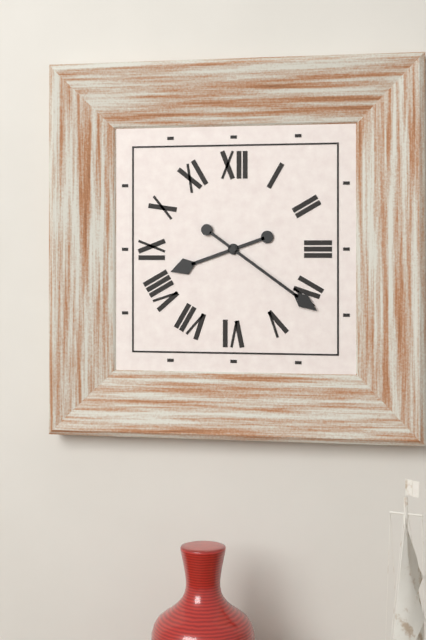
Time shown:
8.21
